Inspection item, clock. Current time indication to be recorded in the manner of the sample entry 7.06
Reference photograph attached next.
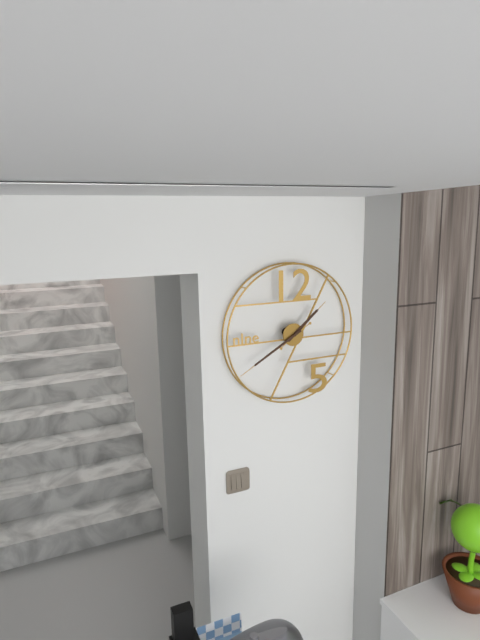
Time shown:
1.40
